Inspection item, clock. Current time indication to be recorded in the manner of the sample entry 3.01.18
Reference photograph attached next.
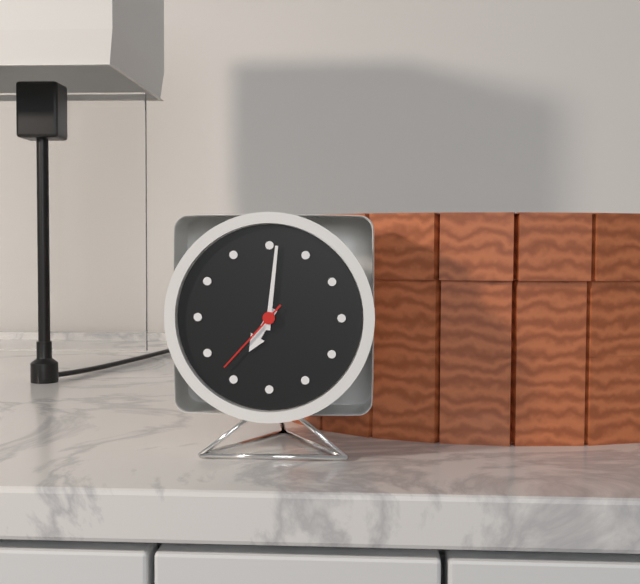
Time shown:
7.01.37
